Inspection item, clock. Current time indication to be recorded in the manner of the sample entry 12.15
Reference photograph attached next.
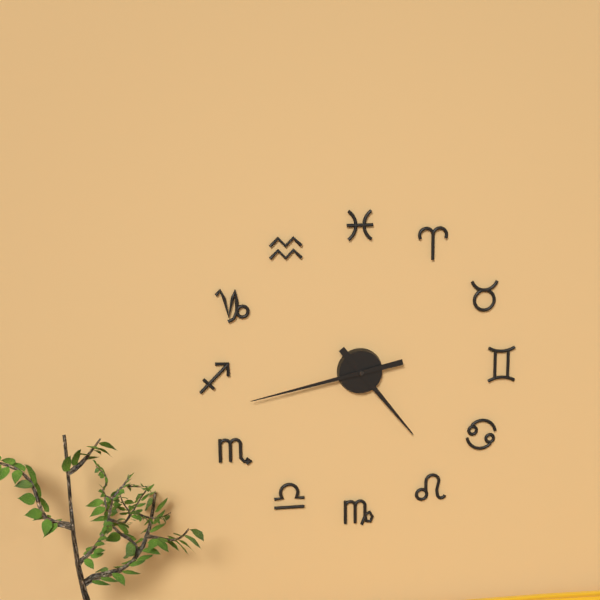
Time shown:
4.43
